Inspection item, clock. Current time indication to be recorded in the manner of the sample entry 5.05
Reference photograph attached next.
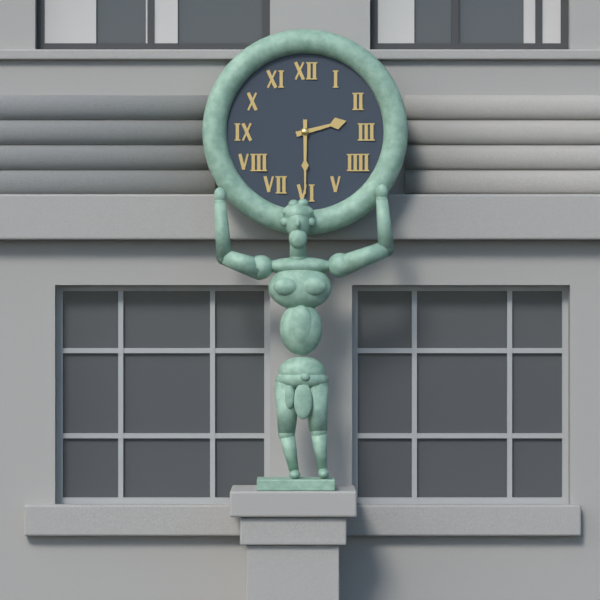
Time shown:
2.30
